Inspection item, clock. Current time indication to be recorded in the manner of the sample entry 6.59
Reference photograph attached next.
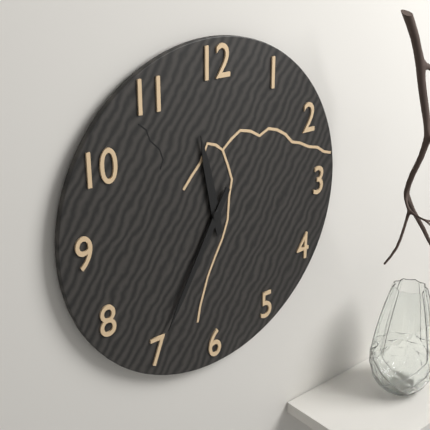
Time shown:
11.35
